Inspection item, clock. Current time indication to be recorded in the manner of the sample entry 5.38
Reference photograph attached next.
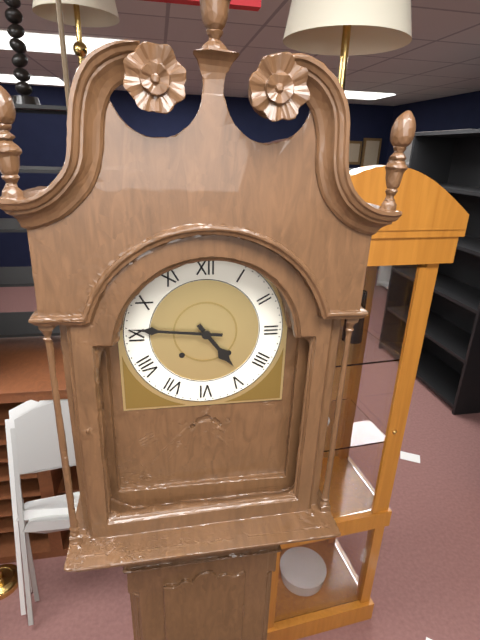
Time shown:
4.46
